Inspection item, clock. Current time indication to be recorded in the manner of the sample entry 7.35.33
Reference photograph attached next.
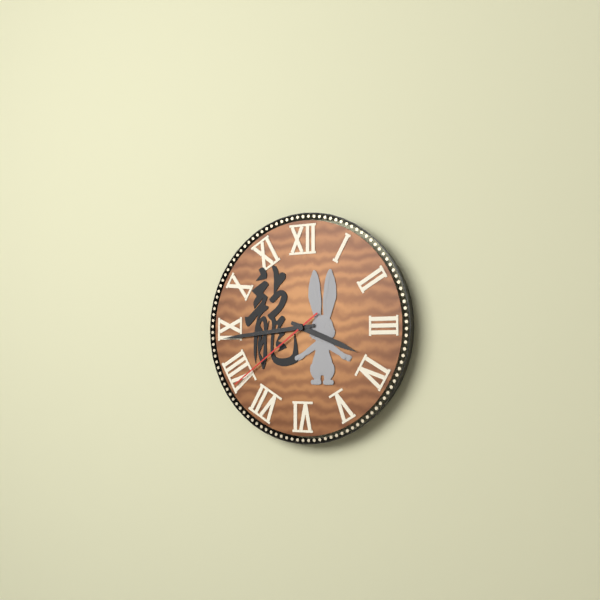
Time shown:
3.44.39
